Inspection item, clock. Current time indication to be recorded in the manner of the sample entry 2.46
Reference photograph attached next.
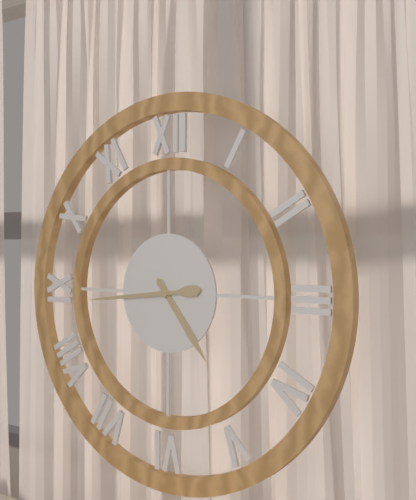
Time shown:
4.44
